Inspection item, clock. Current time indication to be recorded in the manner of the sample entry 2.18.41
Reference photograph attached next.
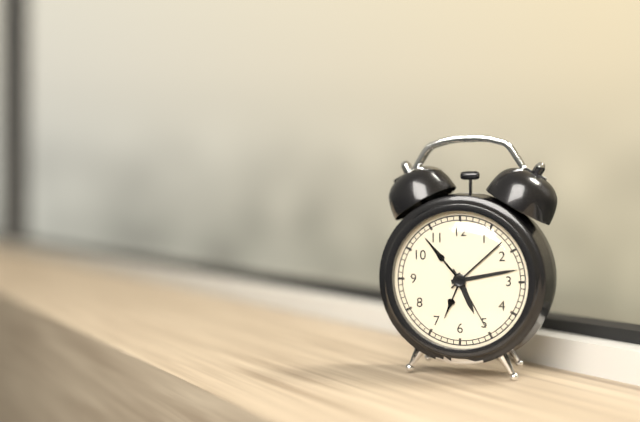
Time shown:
5.13.25
